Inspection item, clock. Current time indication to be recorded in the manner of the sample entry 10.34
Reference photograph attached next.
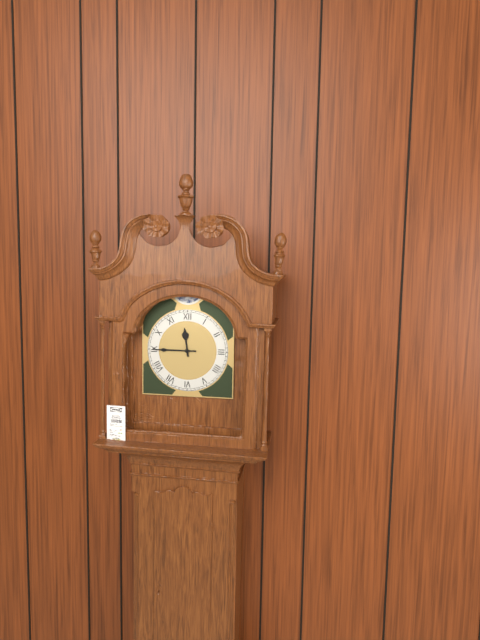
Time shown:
11.45
